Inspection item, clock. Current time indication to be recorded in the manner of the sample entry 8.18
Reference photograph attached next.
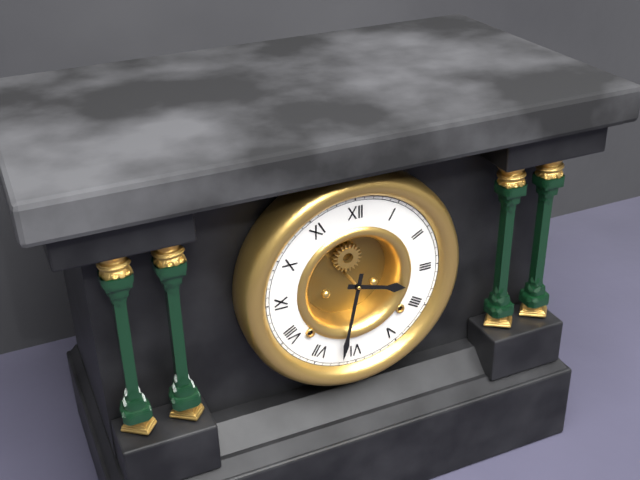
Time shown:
3.32
